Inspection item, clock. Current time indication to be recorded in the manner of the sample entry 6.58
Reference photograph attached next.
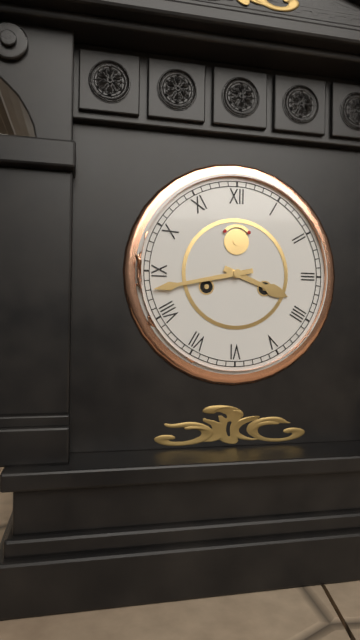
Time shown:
3.43
